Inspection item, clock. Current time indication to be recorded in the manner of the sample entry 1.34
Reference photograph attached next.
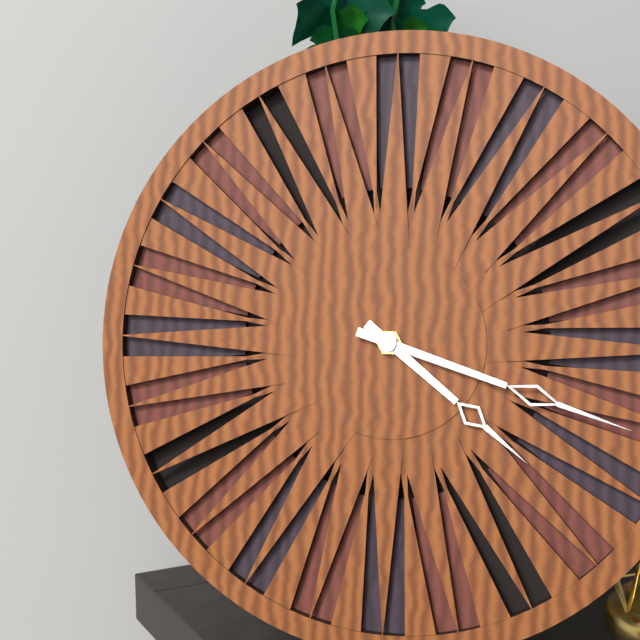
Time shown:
4.18
